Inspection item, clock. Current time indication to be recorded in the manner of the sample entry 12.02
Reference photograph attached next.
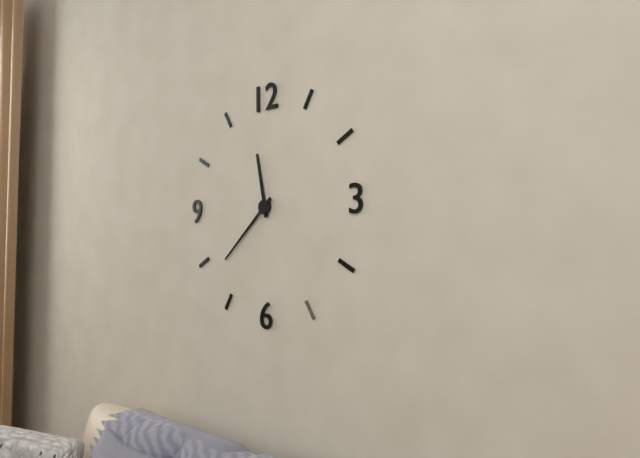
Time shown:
11.38
